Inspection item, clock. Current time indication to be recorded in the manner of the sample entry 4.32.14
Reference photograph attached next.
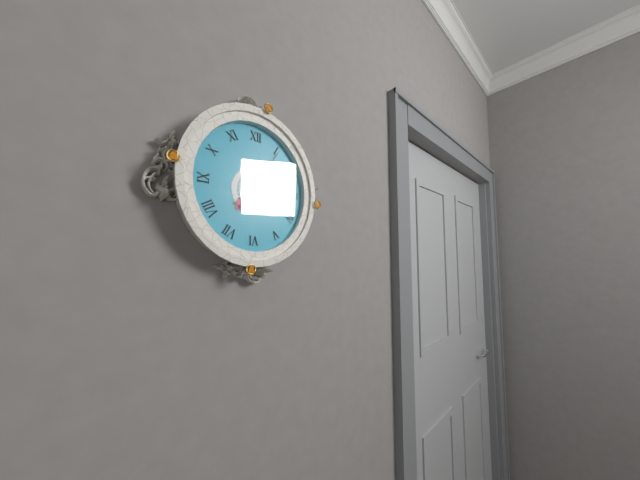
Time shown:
3.09.05
